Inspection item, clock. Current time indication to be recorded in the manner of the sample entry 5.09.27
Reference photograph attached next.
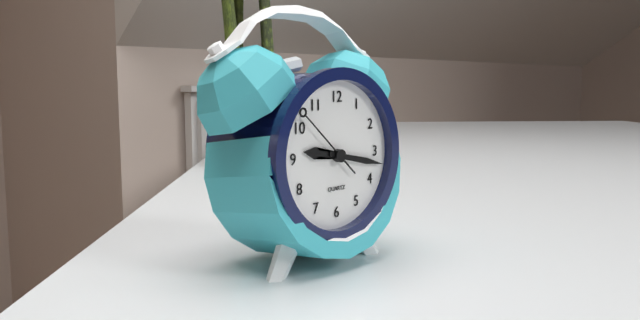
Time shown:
9.17.52
